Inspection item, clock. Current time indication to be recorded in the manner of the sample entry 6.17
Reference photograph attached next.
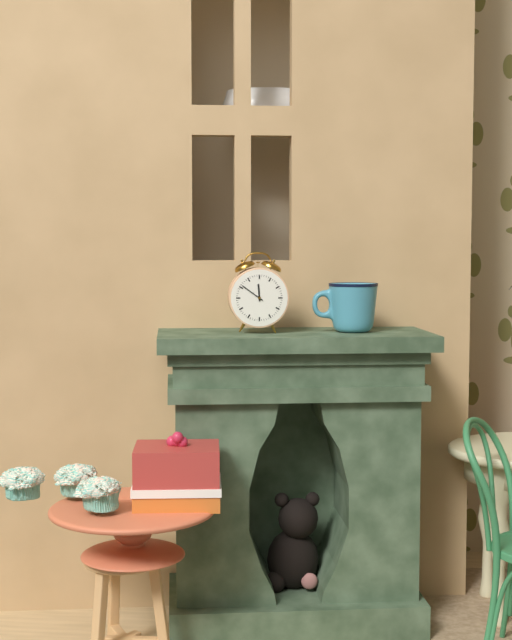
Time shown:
11.51
